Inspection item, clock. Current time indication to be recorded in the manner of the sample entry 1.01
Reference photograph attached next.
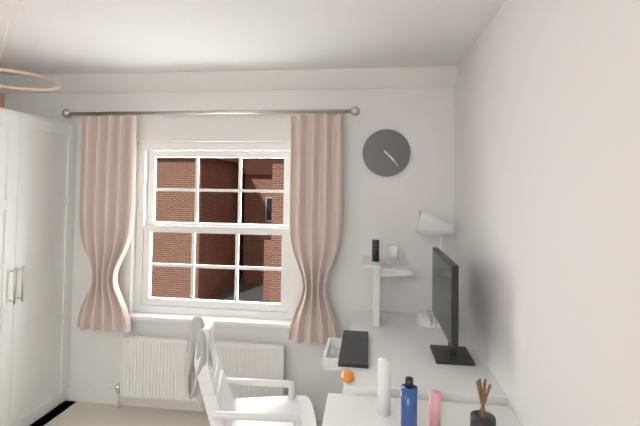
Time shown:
4.23
